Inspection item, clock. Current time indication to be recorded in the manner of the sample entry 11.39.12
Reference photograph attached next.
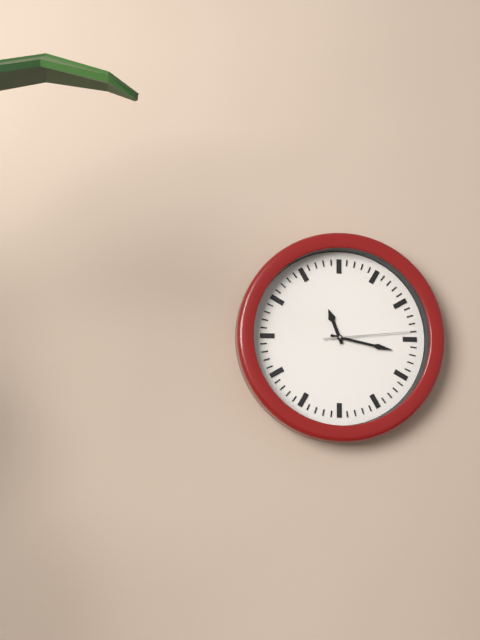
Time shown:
11.17.14
